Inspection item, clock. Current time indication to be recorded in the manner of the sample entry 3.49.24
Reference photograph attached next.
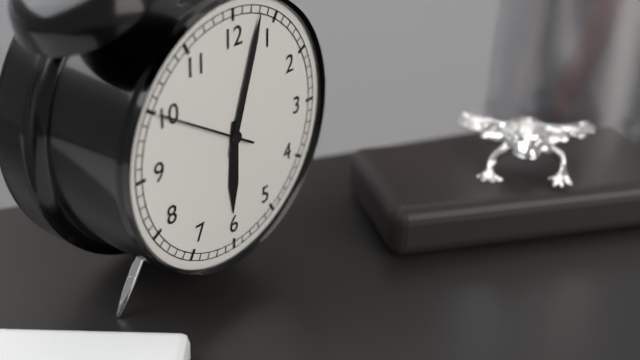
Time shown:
6.03.50
